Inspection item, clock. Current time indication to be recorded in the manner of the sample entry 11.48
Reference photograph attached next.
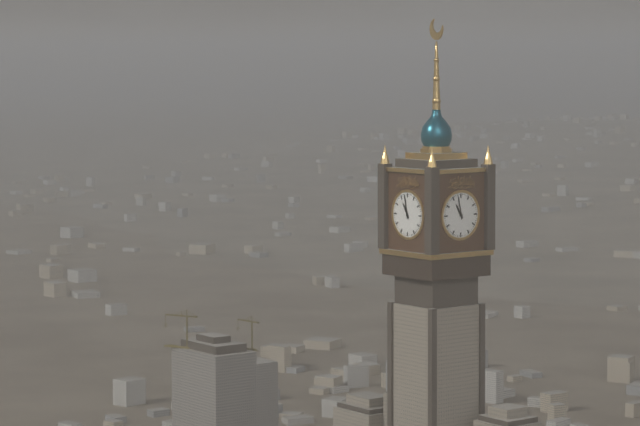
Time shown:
10.58
